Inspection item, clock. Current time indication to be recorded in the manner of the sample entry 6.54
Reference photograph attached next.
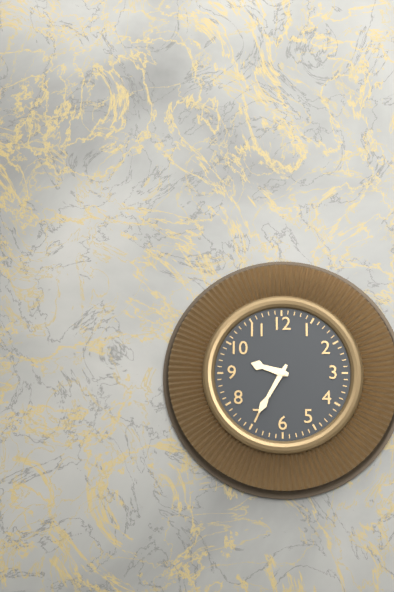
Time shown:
9.35
